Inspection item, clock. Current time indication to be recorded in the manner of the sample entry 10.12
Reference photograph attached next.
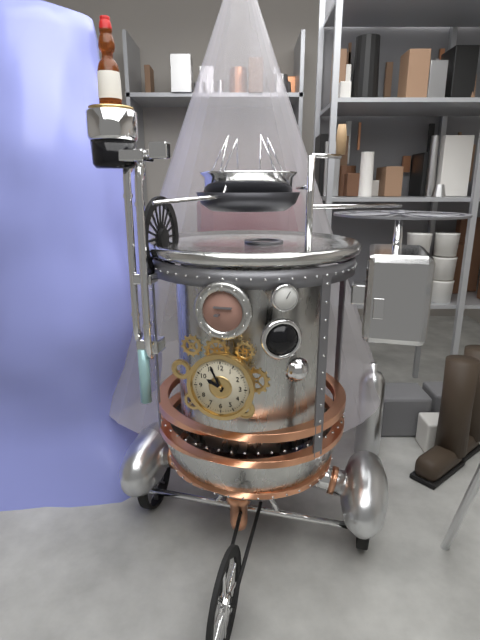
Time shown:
9.56
